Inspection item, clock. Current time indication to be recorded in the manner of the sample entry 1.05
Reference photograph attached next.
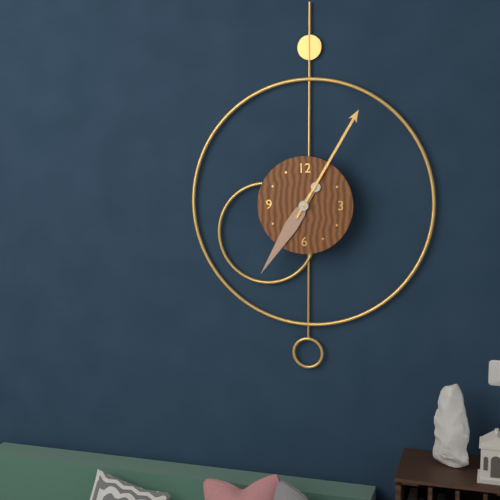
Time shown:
7.05
